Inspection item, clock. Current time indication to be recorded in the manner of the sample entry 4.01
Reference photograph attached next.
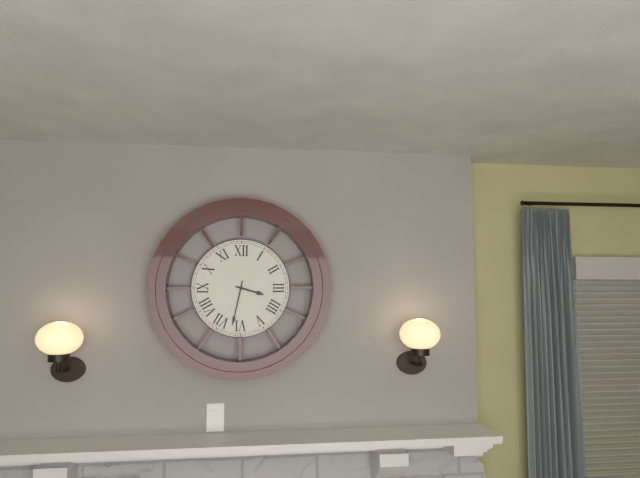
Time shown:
3.32
